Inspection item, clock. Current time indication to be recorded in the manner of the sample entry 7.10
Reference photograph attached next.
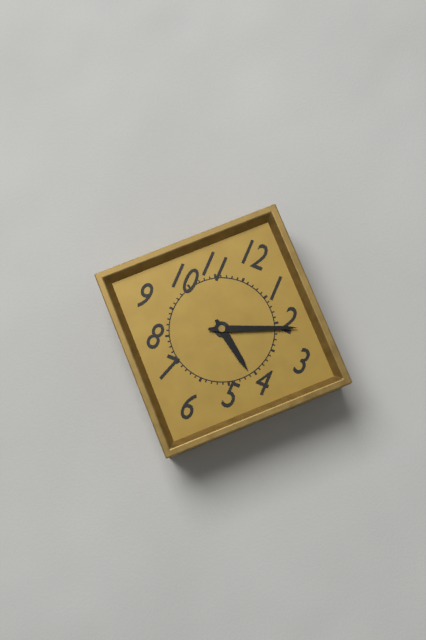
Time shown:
4.11
